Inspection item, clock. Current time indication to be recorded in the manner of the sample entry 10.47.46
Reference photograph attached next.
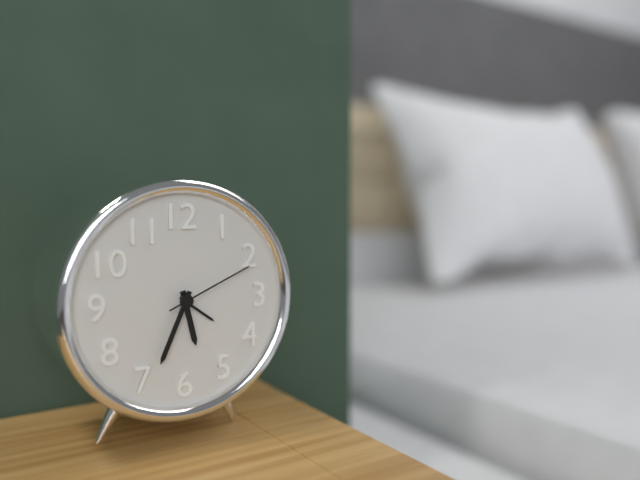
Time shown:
5.34.11
